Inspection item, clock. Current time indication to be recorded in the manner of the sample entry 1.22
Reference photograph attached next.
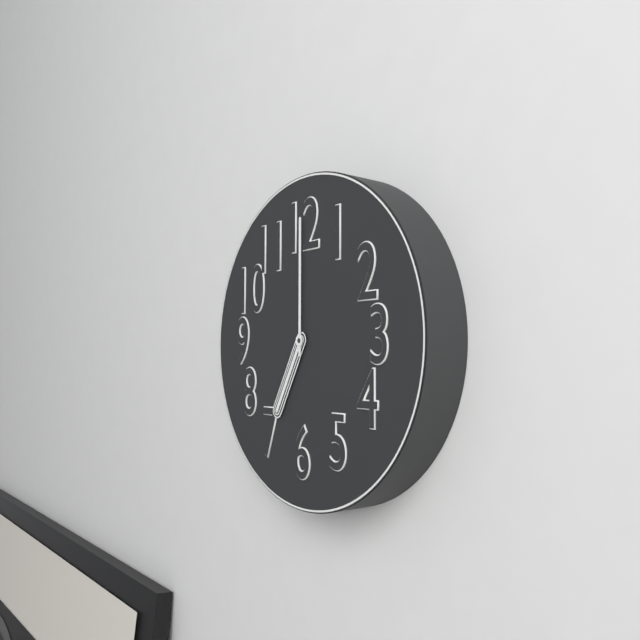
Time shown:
7.00
